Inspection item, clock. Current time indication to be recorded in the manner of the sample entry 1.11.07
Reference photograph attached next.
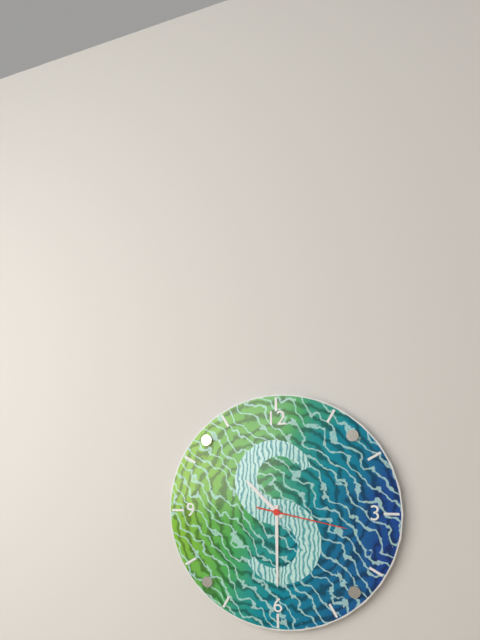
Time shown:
10.30.17
